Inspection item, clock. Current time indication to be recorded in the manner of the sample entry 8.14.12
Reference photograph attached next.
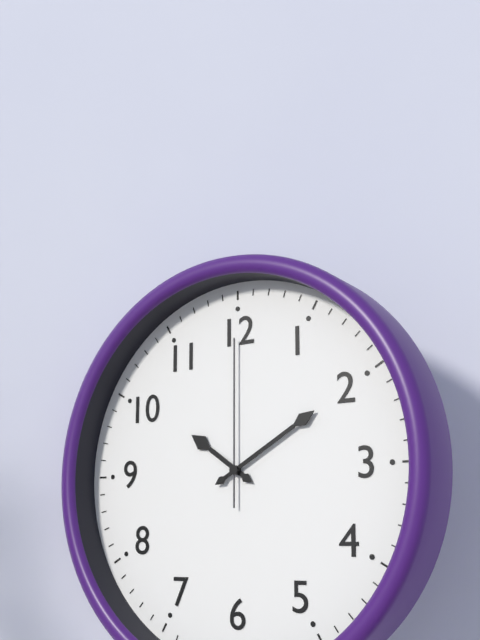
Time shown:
10.10.00
